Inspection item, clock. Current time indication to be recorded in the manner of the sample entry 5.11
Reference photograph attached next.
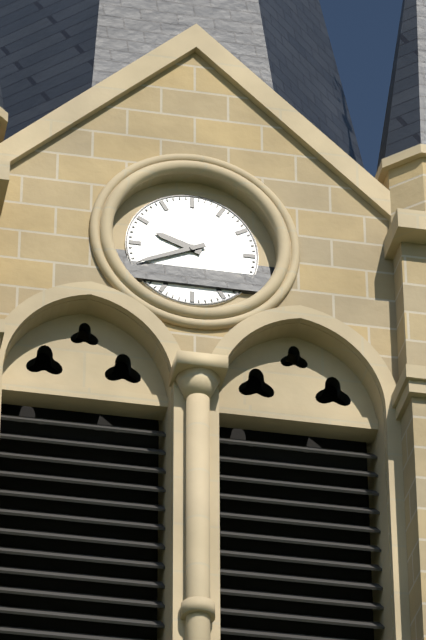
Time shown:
9.41
